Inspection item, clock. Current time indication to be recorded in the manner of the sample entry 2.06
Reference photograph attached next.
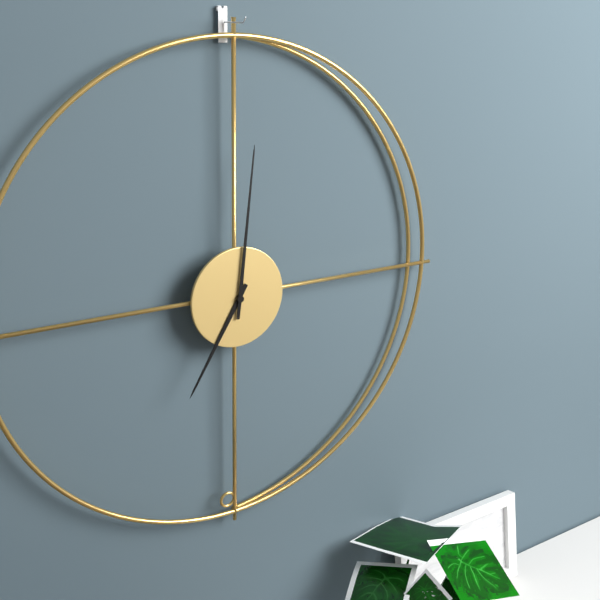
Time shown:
7.01
